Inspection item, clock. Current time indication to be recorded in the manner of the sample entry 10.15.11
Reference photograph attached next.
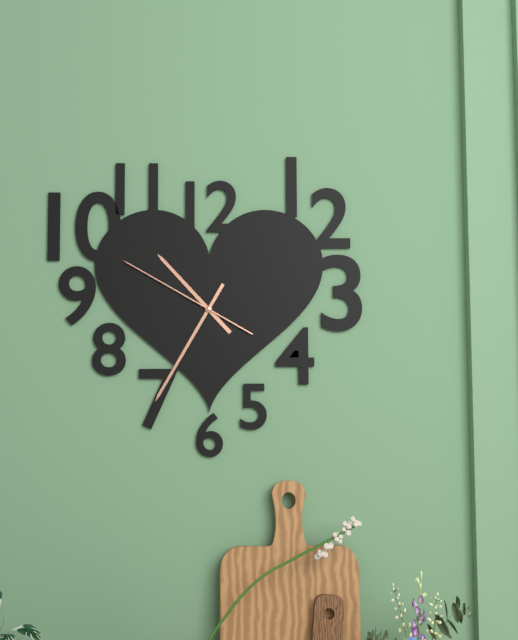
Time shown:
10.35.50
